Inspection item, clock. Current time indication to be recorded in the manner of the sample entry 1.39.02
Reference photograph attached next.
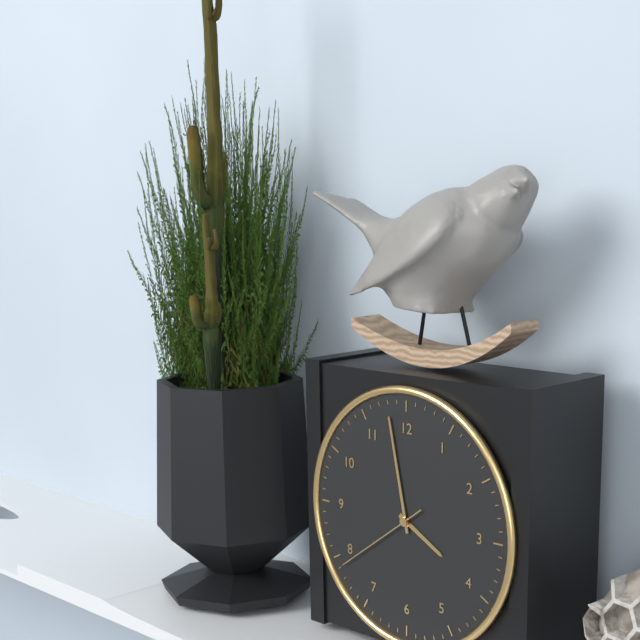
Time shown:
3.58.39
